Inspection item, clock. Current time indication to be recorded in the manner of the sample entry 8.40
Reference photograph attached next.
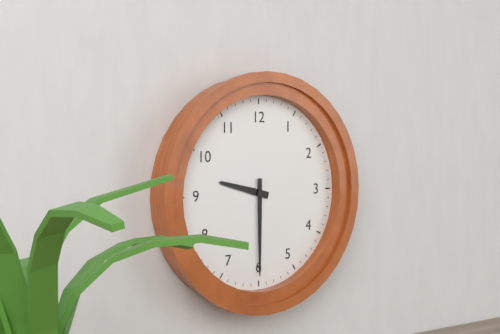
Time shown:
9.30
